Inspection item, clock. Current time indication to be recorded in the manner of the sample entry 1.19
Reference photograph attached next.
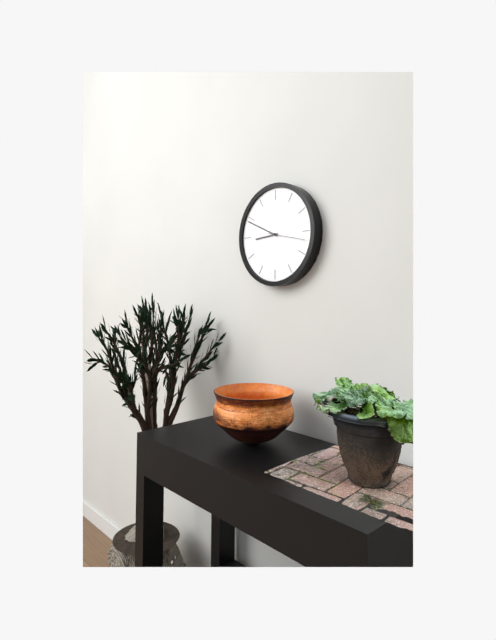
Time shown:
8.49
